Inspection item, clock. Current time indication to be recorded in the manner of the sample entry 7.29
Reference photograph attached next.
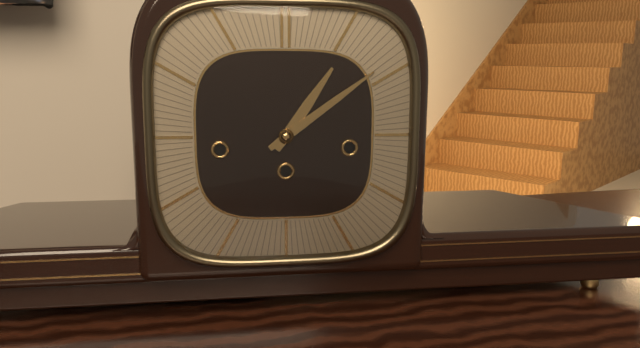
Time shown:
1.09
